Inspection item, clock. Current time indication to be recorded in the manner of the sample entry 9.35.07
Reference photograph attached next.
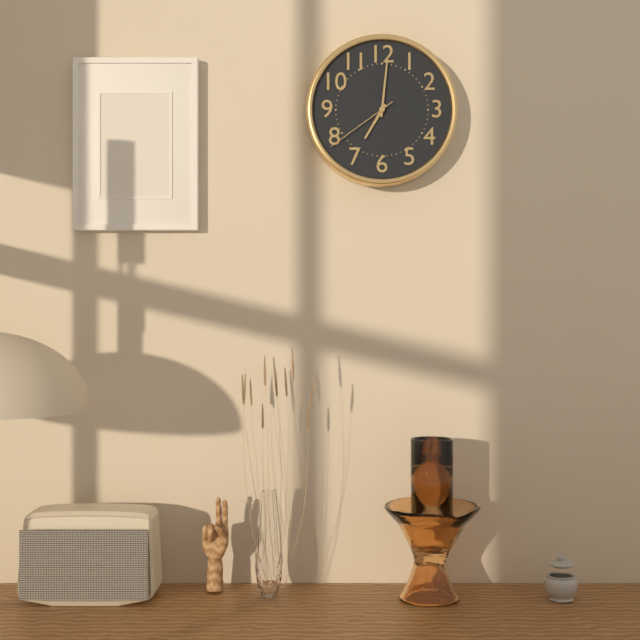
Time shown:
7.01.39
